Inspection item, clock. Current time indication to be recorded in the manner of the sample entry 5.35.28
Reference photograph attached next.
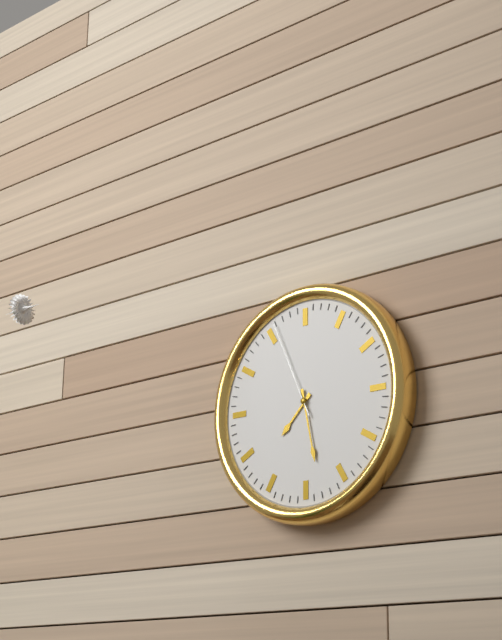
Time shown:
7.28.56
